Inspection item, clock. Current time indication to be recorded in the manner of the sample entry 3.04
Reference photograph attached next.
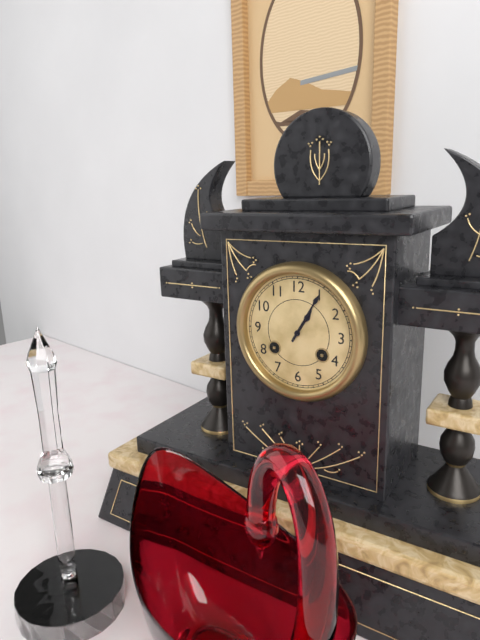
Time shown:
1.05
